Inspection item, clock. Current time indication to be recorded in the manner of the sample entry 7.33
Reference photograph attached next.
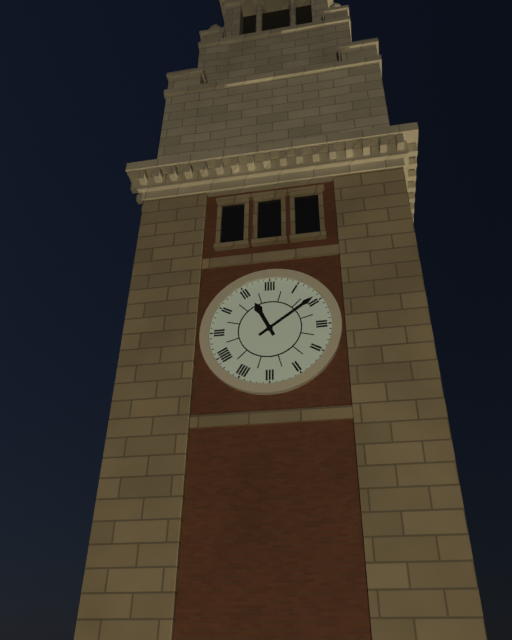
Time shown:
11.09
